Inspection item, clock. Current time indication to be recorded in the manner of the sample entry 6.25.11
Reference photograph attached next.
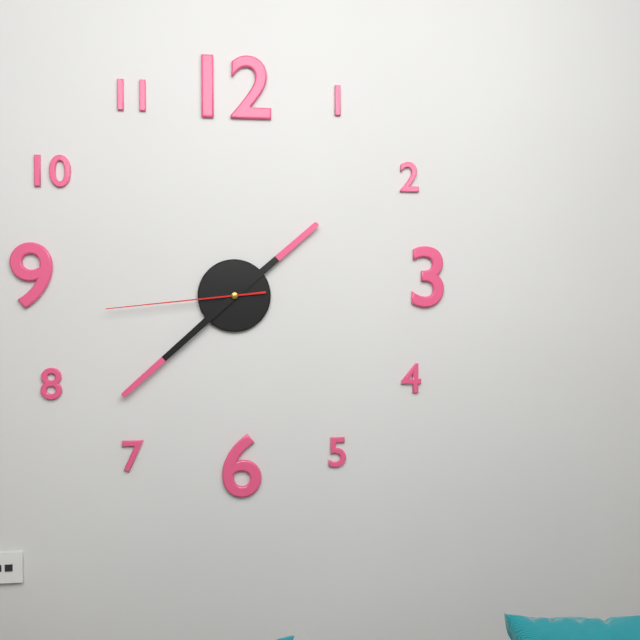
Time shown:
1.38.44
